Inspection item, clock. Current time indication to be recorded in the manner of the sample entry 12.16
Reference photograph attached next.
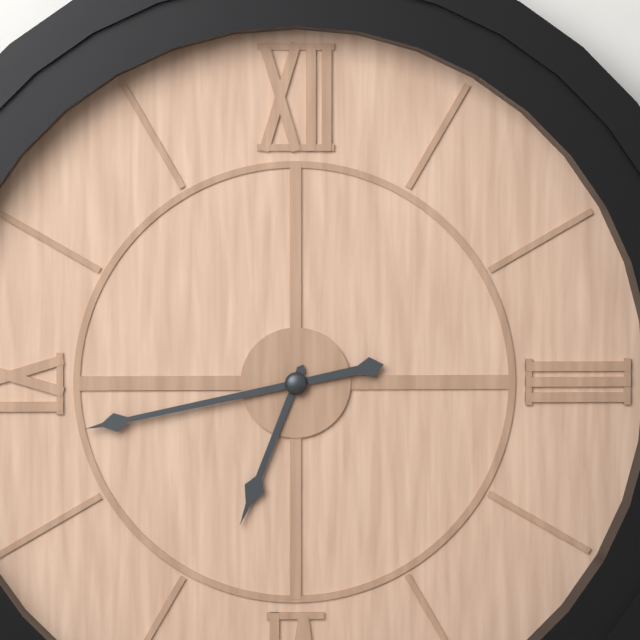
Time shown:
6.43
